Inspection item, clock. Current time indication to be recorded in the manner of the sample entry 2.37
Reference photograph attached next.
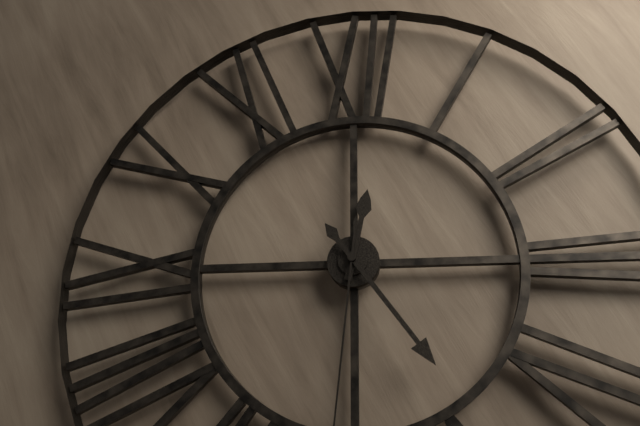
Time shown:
12.24
